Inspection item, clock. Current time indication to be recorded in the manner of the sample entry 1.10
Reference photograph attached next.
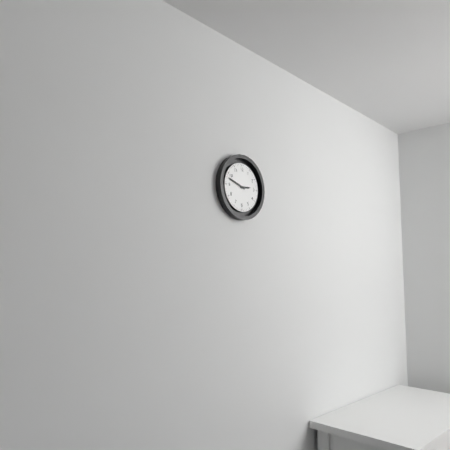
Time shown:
2.48
